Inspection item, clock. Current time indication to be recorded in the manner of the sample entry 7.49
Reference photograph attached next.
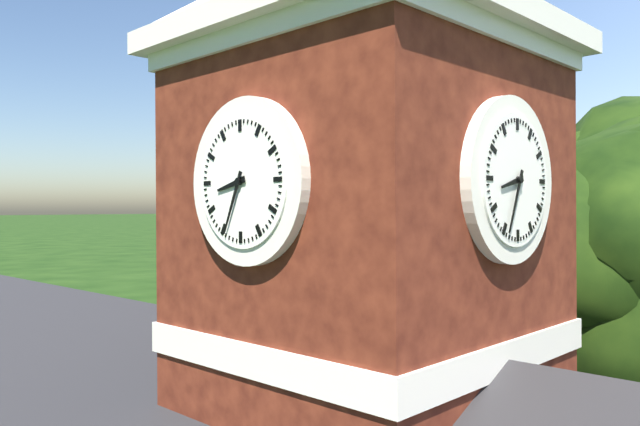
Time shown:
8.34
